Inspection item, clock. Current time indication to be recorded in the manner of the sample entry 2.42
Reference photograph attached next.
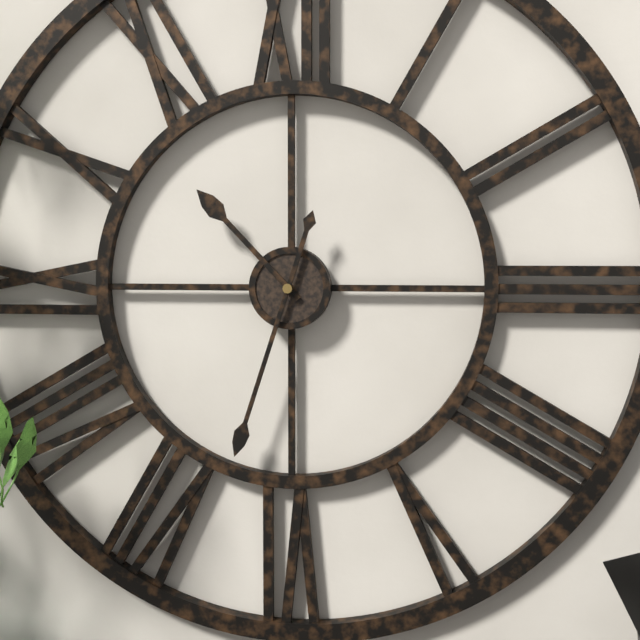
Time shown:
10.33
